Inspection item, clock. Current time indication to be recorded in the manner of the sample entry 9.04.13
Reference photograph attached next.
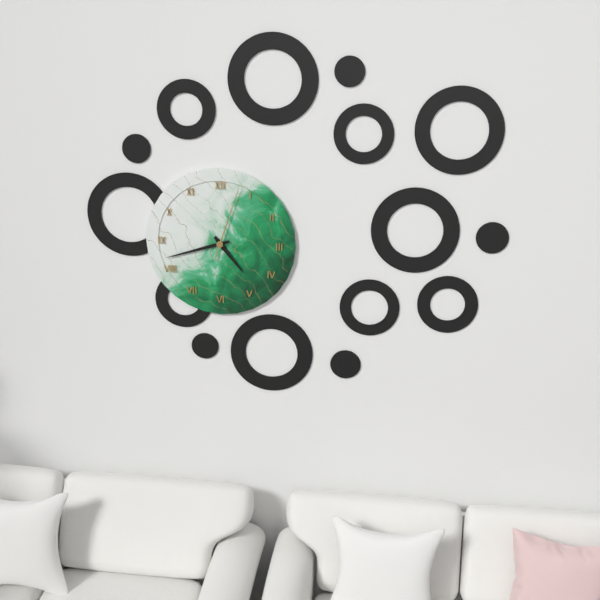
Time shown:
4.42.03
